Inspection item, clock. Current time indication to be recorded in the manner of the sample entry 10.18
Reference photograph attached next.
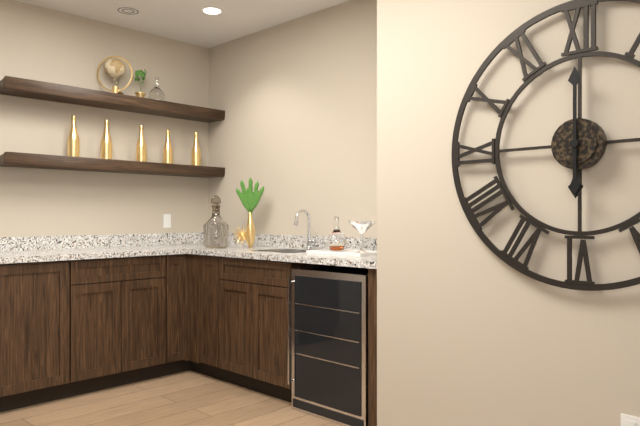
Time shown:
6.00
